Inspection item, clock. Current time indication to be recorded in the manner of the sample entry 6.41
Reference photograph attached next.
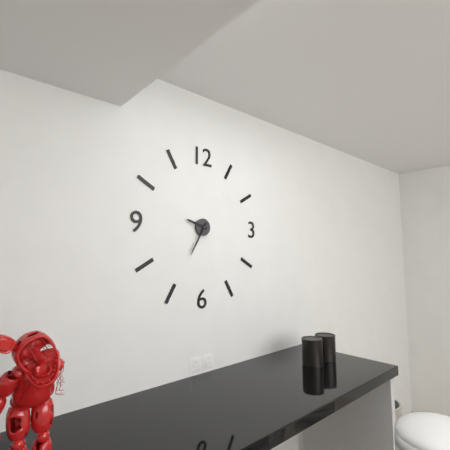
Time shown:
9.35
